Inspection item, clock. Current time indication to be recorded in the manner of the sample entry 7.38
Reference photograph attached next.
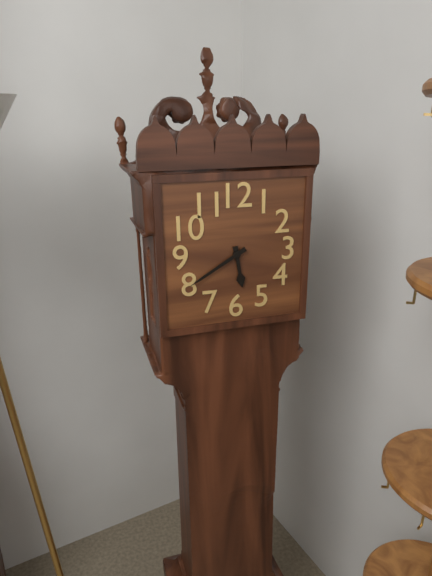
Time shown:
5.40
